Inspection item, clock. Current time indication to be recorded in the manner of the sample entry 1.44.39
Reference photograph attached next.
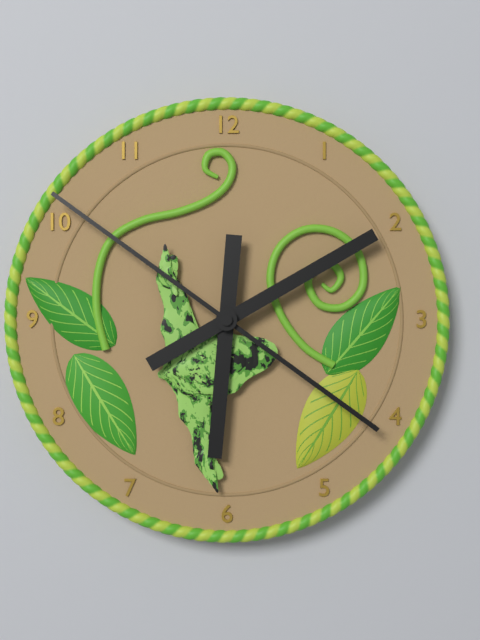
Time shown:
6.10.51
